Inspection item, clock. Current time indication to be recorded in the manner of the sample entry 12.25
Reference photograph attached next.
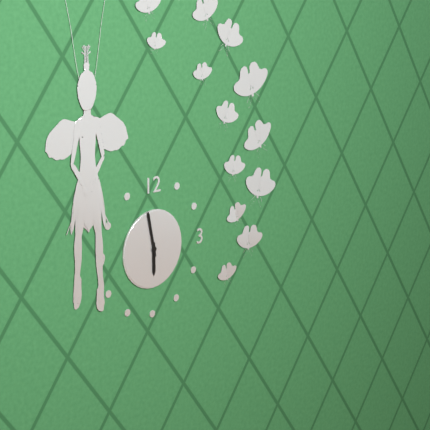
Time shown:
5.58
